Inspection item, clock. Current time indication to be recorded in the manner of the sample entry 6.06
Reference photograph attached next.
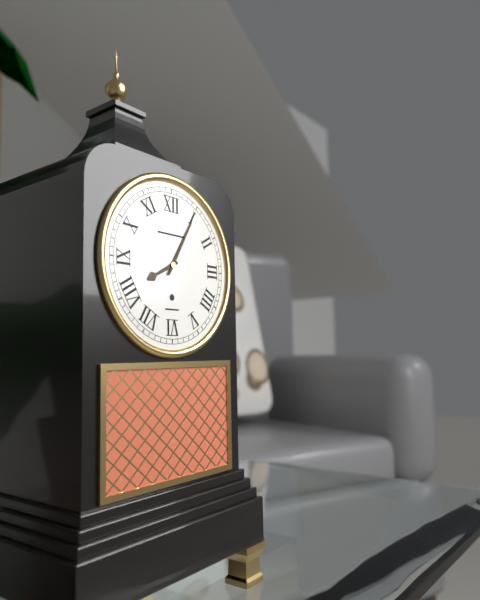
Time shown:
8.05
